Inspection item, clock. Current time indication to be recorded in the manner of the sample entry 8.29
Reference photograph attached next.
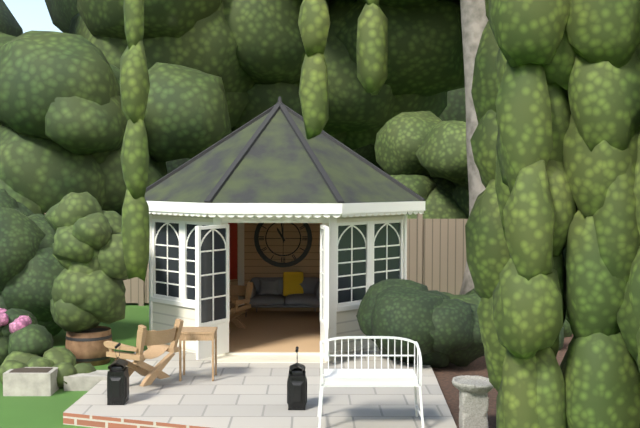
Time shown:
10.59
